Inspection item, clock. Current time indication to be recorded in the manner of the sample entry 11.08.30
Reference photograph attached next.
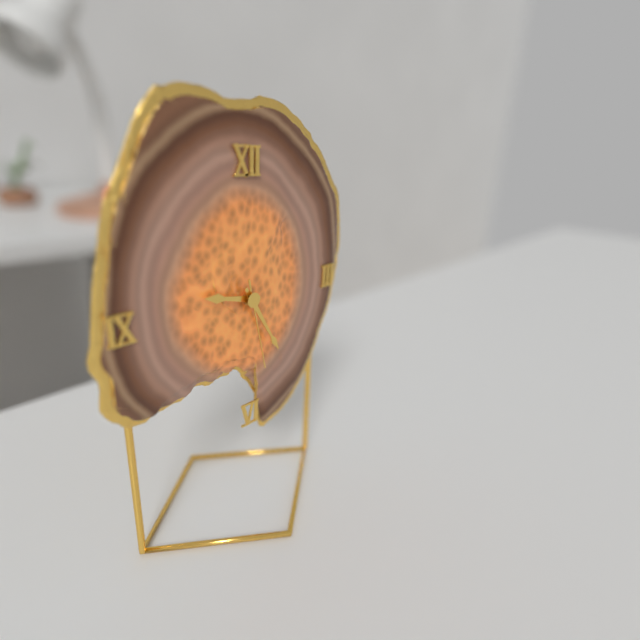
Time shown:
9.25.28
